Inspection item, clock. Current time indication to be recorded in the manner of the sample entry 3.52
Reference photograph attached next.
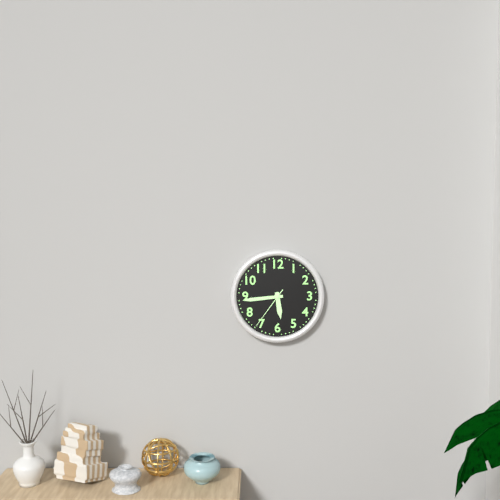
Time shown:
5.44
